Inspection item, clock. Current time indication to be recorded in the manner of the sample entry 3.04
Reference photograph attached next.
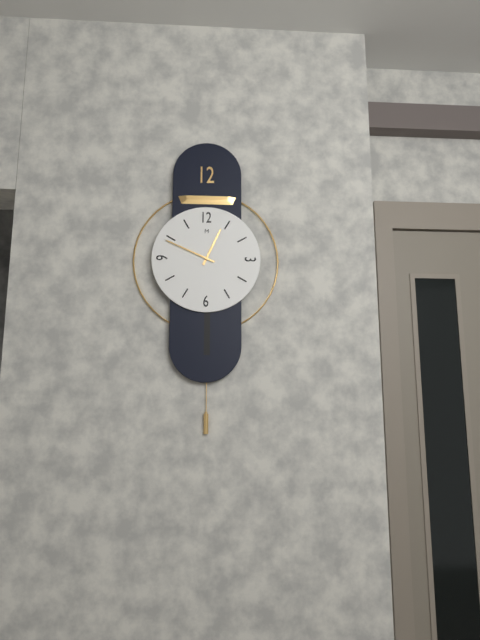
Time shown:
12.49
